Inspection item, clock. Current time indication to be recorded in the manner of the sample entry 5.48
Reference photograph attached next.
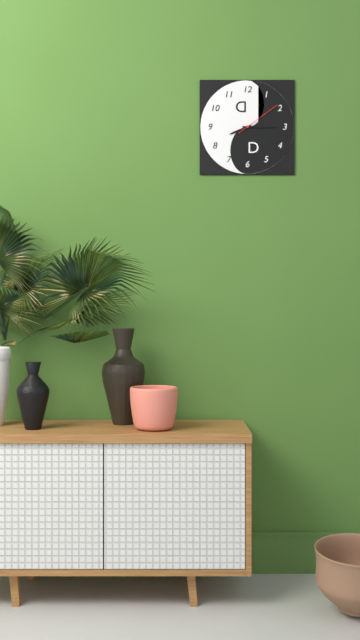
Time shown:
8.15
